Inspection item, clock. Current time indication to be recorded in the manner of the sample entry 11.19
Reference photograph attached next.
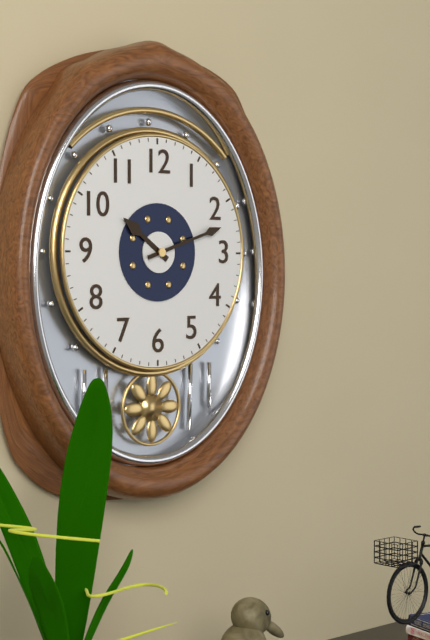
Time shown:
10.12
